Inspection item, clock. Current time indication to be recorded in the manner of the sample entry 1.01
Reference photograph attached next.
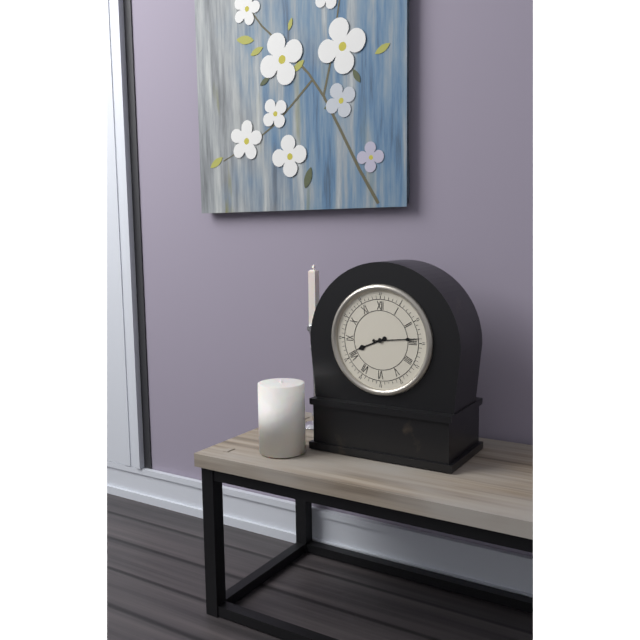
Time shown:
8.14
